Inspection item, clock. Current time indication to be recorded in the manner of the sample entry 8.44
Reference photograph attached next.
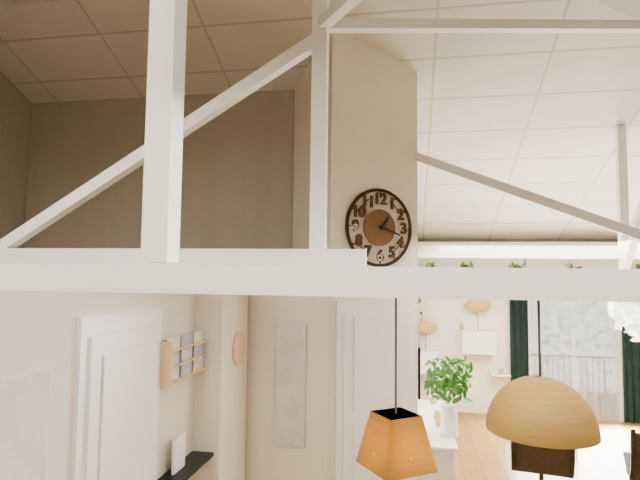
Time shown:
1.18
